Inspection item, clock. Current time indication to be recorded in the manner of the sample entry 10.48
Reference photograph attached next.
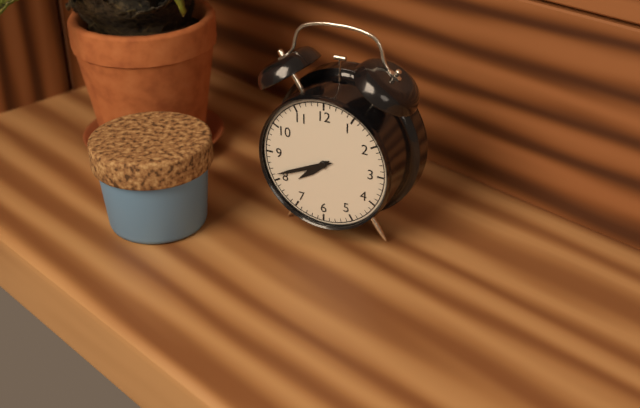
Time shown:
7.41
